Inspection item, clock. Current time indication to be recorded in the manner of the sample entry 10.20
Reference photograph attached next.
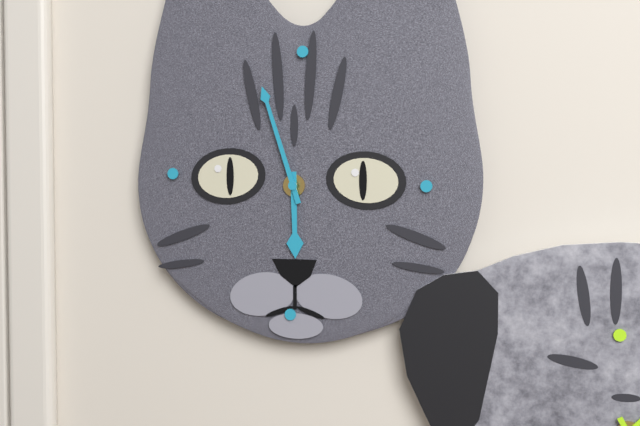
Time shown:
5.57
